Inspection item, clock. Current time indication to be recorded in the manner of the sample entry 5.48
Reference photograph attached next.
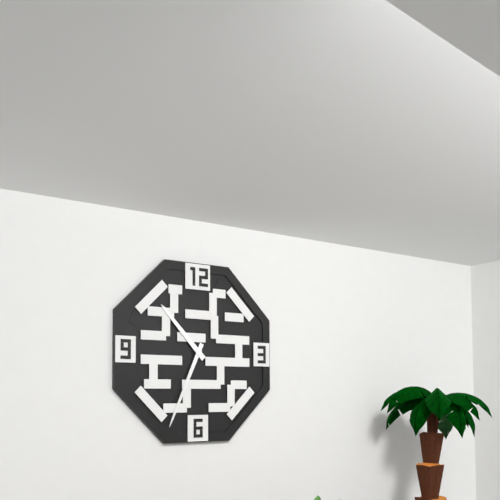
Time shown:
10.34
